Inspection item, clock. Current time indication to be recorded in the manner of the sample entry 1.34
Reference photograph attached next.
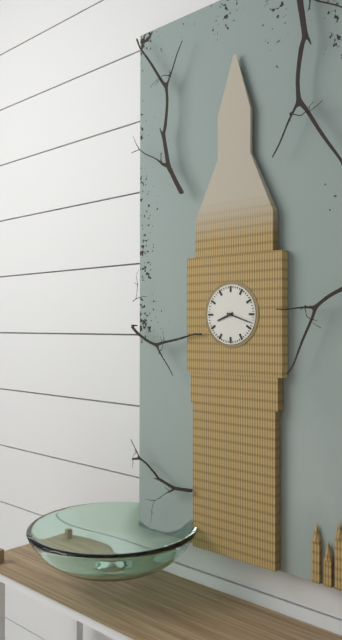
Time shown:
8.18
